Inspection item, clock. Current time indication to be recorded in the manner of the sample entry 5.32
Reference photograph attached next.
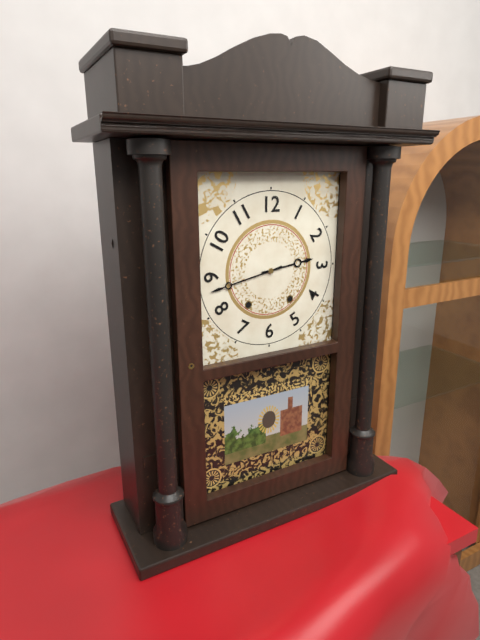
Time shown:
2.43
